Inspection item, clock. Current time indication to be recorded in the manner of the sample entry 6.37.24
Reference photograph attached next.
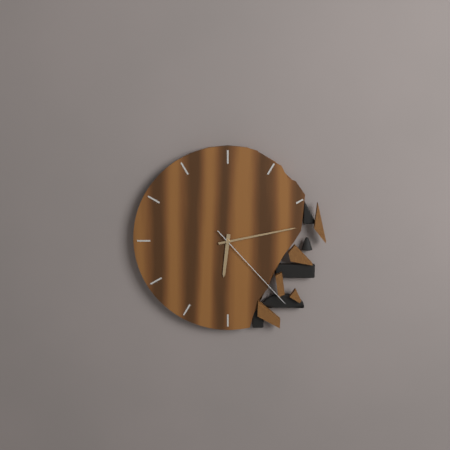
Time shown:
6.13.23
